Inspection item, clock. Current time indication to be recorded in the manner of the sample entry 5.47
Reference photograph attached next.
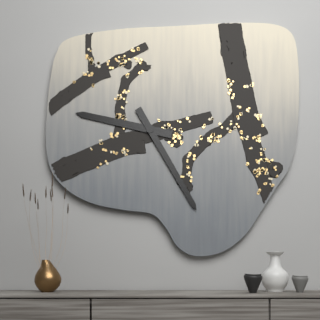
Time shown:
9.25
